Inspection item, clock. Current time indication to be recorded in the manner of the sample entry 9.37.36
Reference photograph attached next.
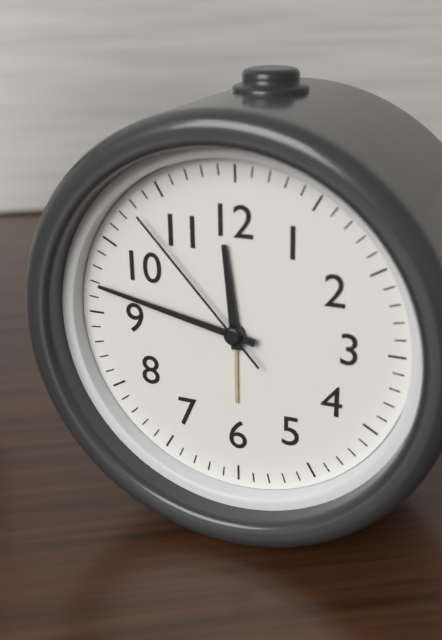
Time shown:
11.47.53
